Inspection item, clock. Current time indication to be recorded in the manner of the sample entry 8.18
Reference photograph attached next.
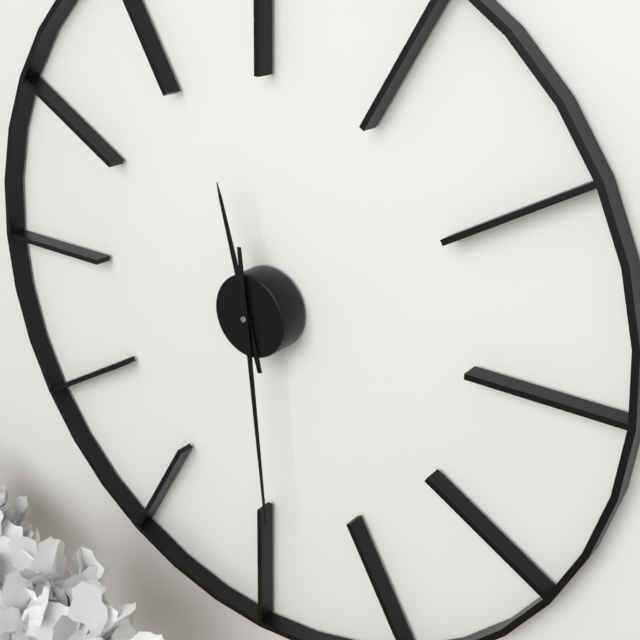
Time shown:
11.29
